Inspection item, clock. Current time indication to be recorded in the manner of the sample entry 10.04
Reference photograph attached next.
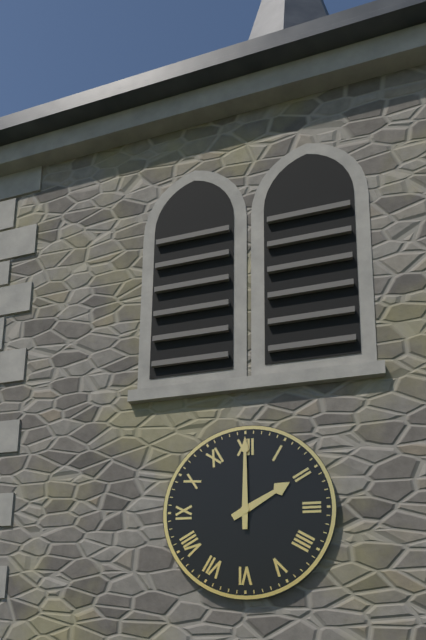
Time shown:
2.00
